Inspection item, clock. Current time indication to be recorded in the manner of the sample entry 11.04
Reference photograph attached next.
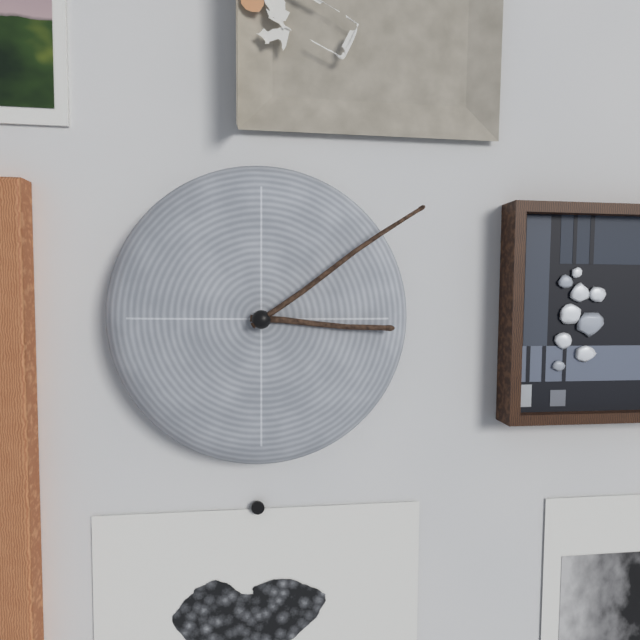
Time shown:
3.09
